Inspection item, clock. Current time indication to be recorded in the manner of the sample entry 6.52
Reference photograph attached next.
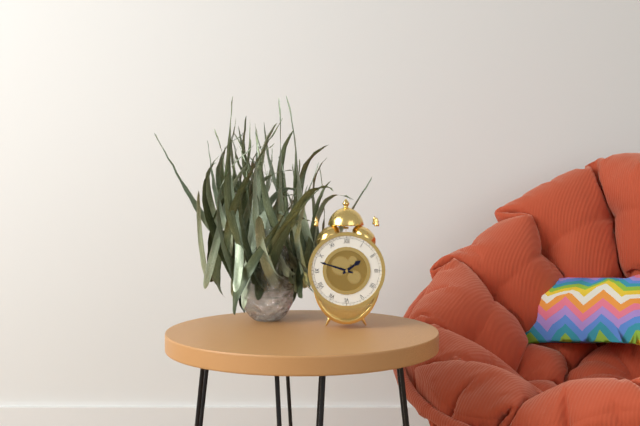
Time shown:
1.48
